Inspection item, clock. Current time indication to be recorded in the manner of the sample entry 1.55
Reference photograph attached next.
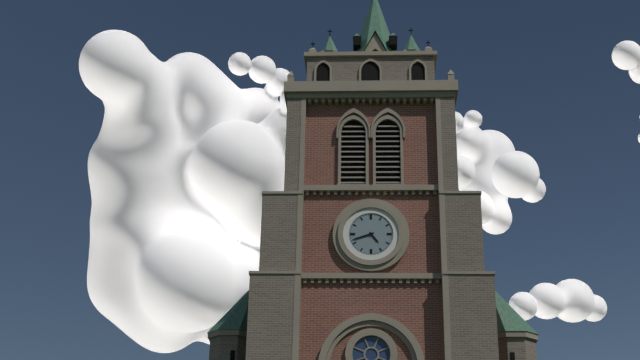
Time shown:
4.42
